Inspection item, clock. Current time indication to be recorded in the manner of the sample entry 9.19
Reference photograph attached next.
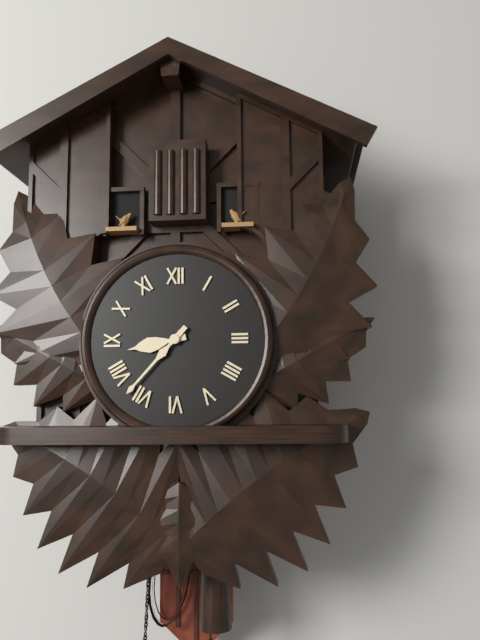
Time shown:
8.37
